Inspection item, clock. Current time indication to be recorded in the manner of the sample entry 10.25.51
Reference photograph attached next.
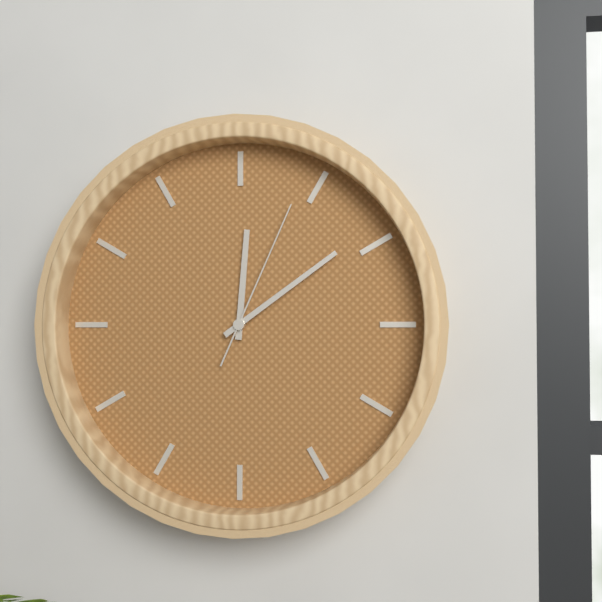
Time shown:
12.09.04
